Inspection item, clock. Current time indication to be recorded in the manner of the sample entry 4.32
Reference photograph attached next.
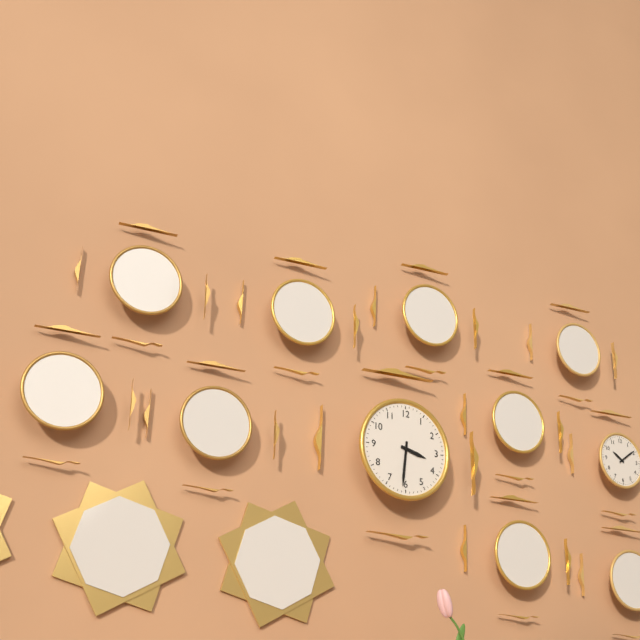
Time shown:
3.31
